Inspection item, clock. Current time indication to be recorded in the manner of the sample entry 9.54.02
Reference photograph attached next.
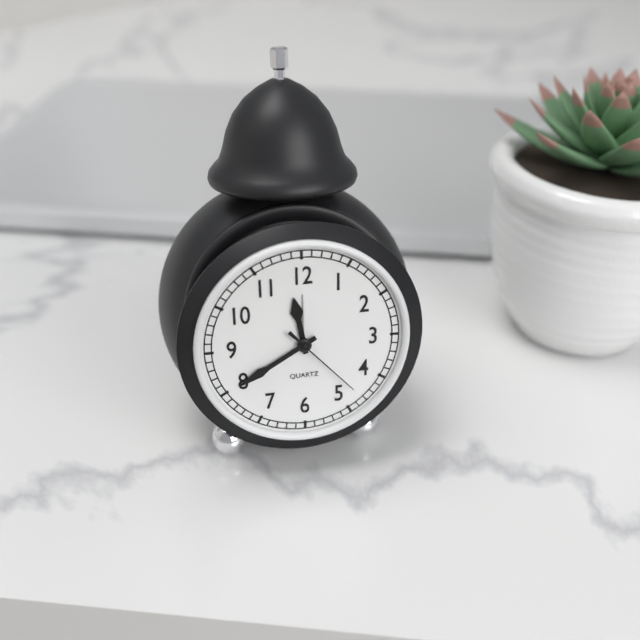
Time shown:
11.40.23
